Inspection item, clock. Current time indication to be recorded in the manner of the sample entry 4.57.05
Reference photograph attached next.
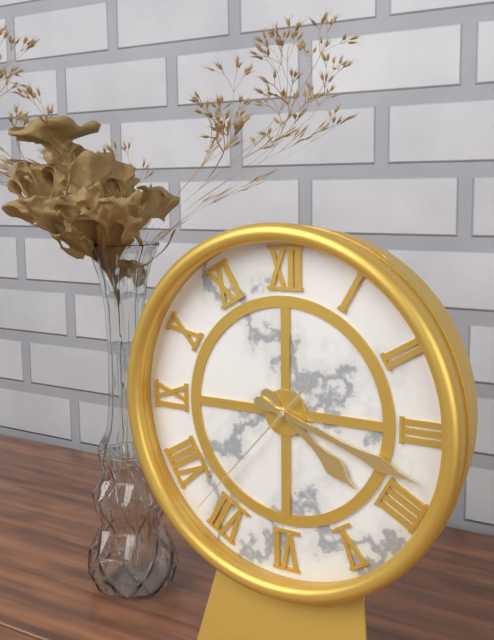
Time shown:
4.18.37
